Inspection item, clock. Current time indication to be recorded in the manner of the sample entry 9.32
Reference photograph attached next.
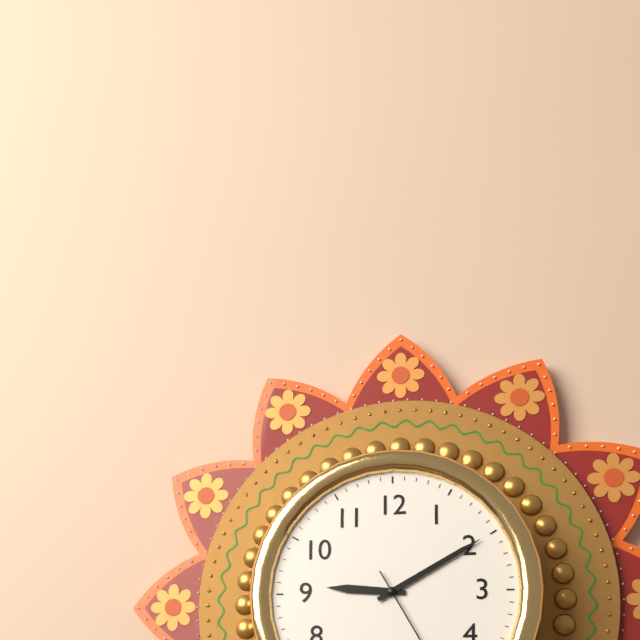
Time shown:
9.10
